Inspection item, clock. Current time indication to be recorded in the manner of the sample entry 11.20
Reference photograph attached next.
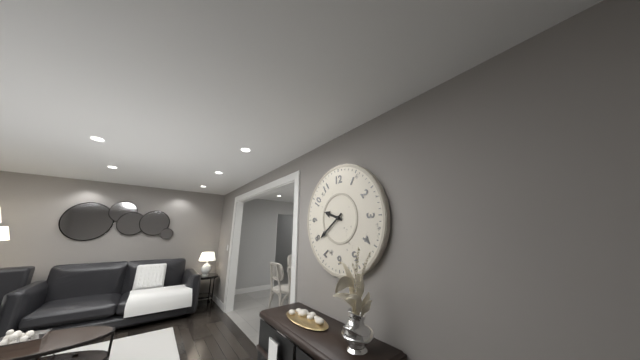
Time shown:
9.39
